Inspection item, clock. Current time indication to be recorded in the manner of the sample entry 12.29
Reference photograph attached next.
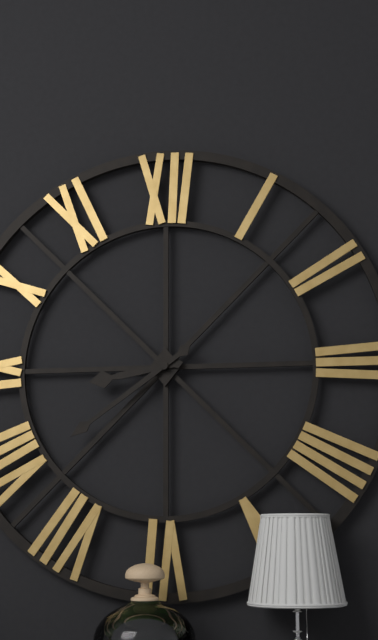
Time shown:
8.39
